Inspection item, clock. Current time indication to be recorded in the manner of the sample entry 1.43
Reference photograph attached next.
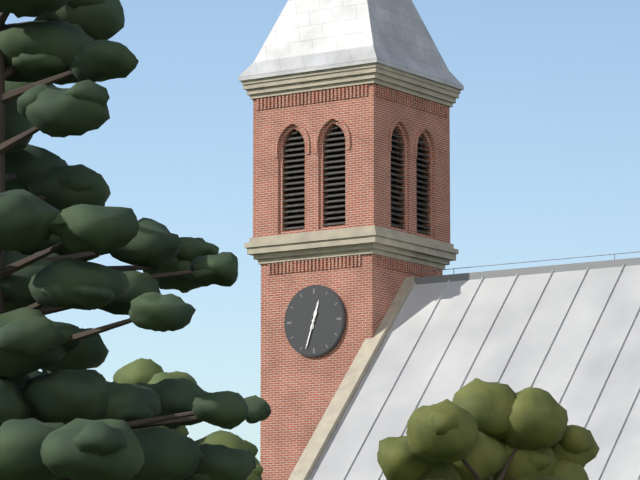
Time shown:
12.33
